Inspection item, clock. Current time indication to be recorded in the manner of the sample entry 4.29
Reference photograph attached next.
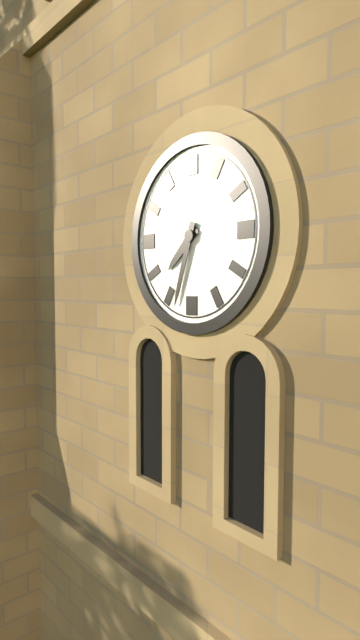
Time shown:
7.33
